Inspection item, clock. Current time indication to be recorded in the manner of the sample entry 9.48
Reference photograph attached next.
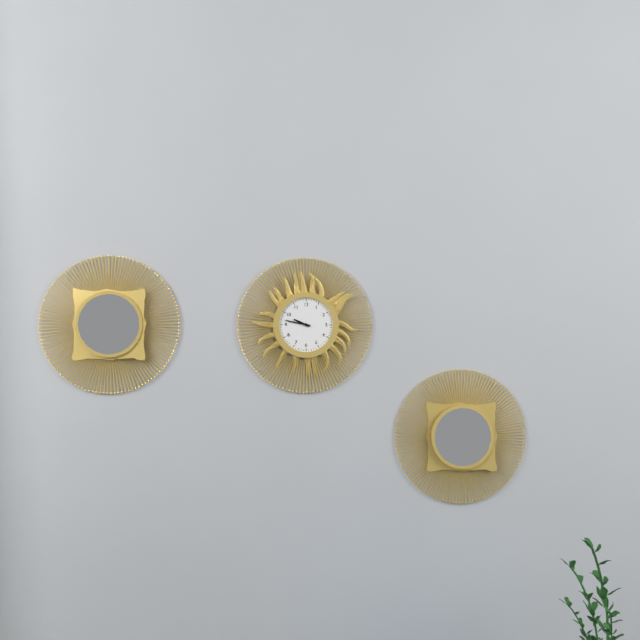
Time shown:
9.47
